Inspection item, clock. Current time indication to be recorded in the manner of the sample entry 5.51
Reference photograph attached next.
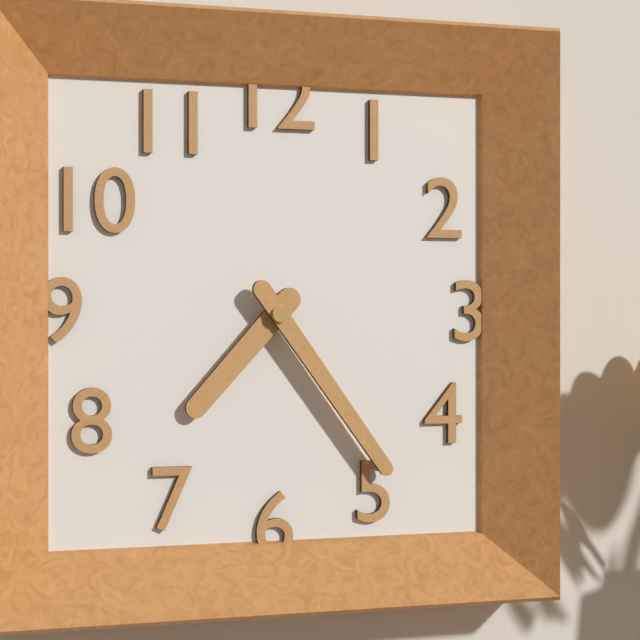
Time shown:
7.24
